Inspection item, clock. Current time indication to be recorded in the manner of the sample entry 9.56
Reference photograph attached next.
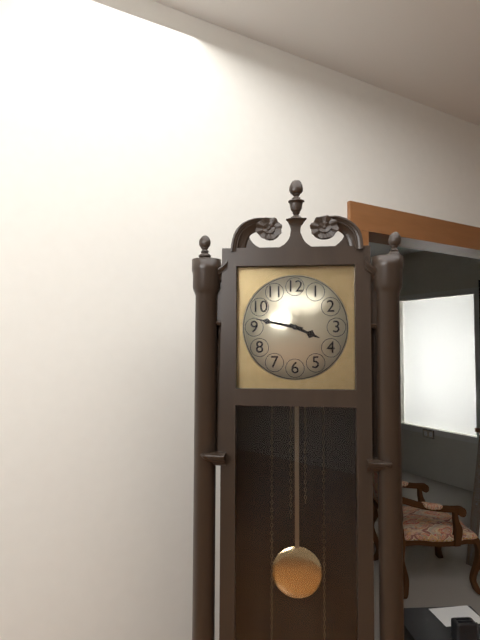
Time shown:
3.47
